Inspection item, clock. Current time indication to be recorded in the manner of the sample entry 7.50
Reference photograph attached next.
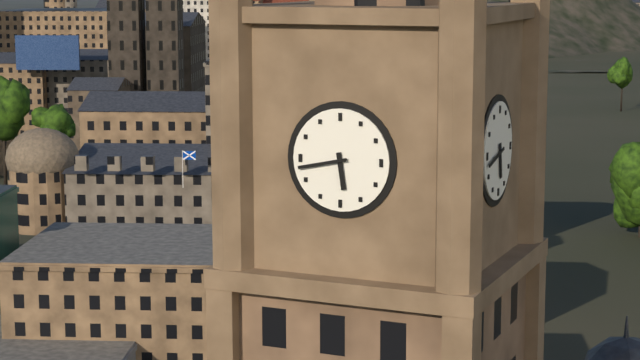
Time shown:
5.43
